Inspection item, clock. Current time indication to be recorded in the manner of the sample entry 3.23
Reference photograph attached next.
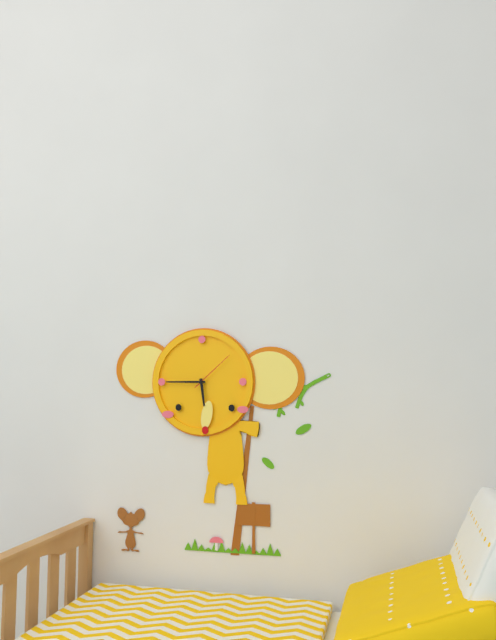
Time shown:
5.45
